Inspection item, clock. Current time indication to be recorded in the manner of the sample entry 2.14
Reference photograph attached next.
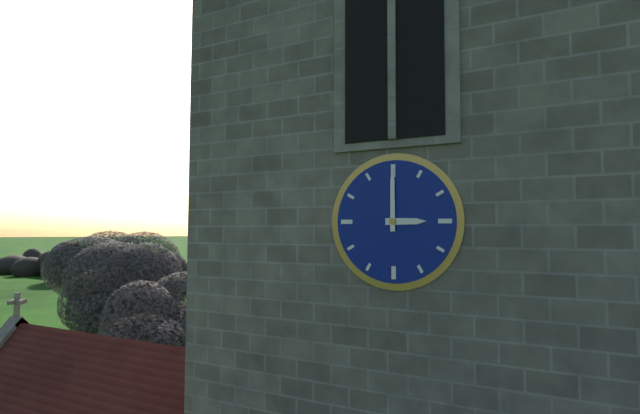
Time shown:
3.00
